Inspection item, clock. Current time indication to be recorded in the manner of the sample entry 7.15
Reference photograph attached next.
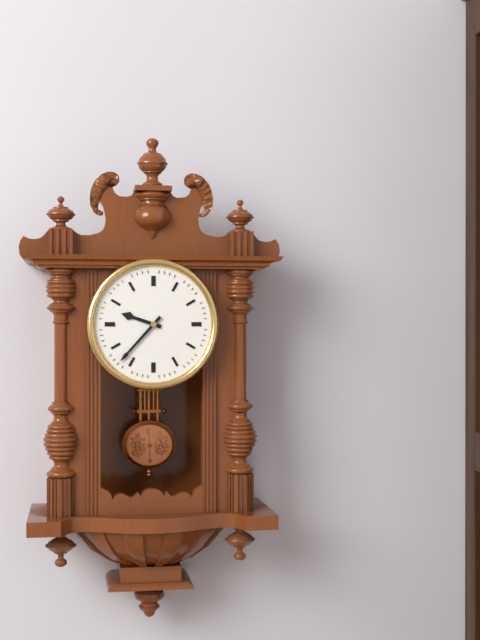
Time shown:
9.37
